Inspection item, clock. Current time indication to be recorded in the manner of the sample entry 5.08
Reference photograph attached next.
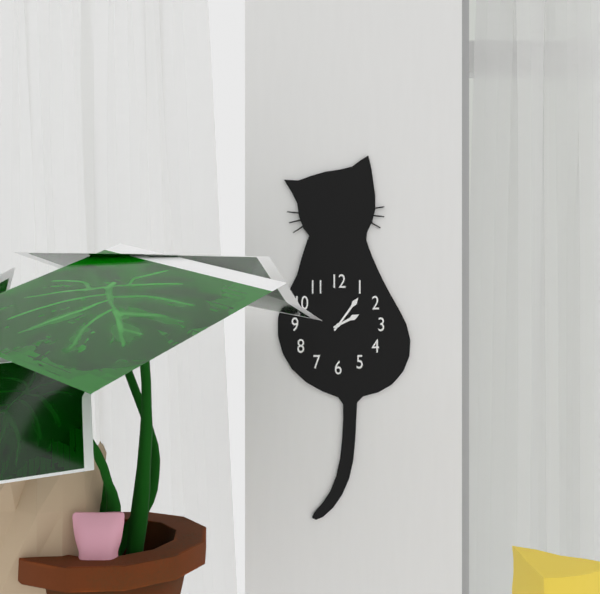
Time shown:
2.06
